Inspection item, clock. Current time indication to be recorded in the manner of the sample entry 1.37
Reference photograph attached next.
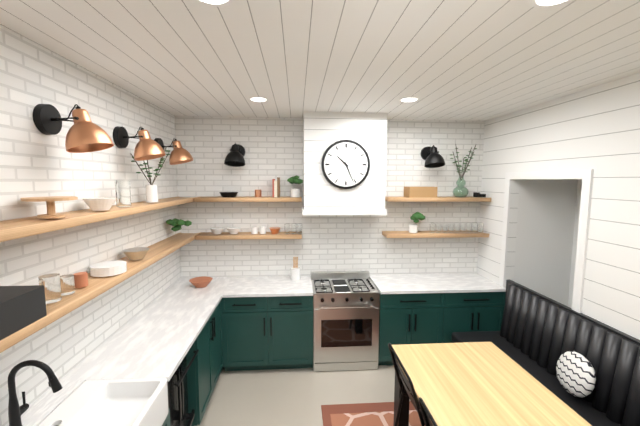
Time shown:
10.26
